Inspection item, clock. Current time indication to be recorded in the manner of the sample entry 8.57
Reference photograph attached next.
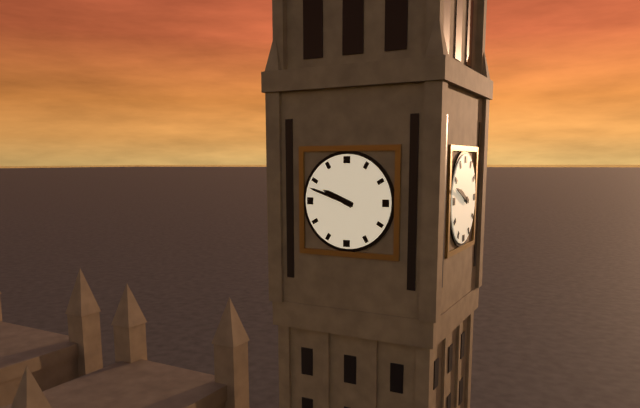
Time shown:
9.48
